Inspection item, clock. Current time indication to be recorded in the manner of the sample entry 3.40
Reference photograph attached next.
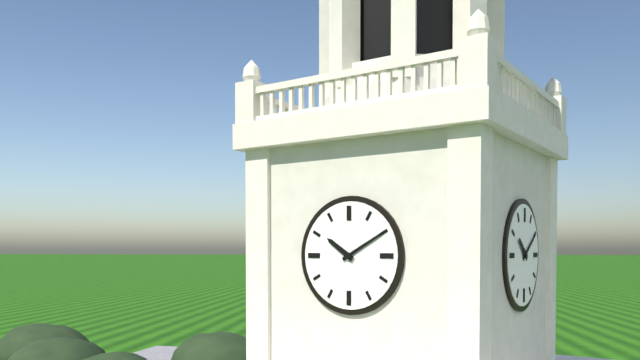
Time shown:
10.10
